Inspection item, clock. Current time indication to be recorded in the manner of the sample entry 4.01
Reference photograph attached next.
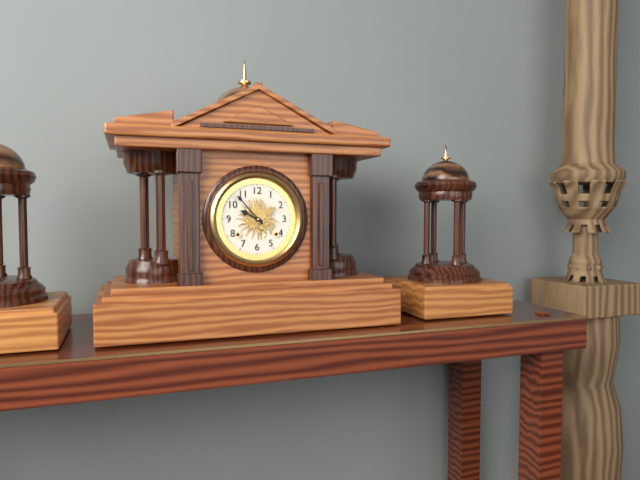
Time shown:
9.53
